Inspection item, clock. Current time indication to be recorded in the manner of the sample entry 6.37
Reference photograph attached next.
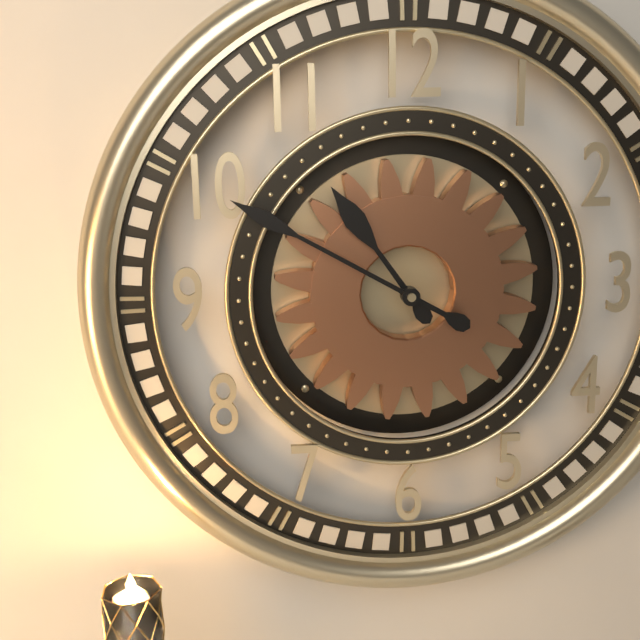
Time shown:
10.50
